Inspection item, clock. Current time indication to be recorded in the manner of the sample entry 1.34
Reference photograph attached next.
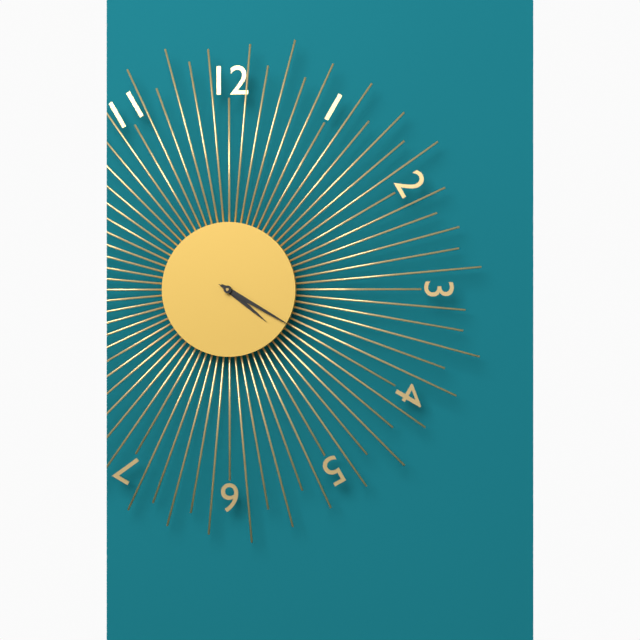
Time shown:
4.20
